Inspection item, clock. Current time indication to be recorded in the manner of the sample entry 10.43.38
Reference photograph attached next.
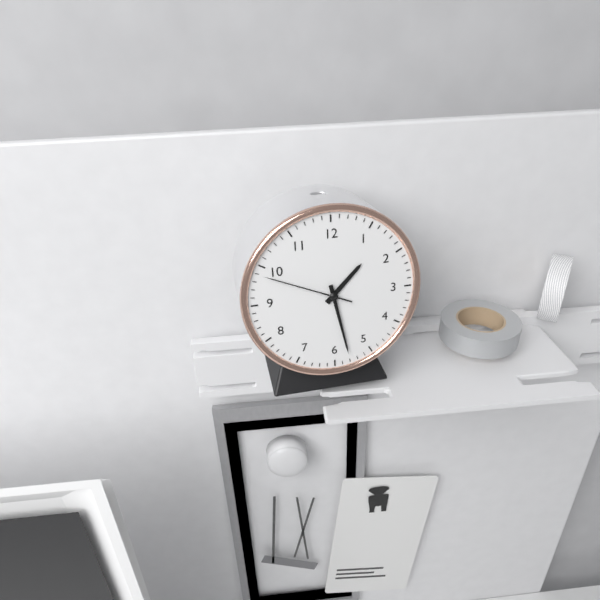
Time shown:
1.28.49
